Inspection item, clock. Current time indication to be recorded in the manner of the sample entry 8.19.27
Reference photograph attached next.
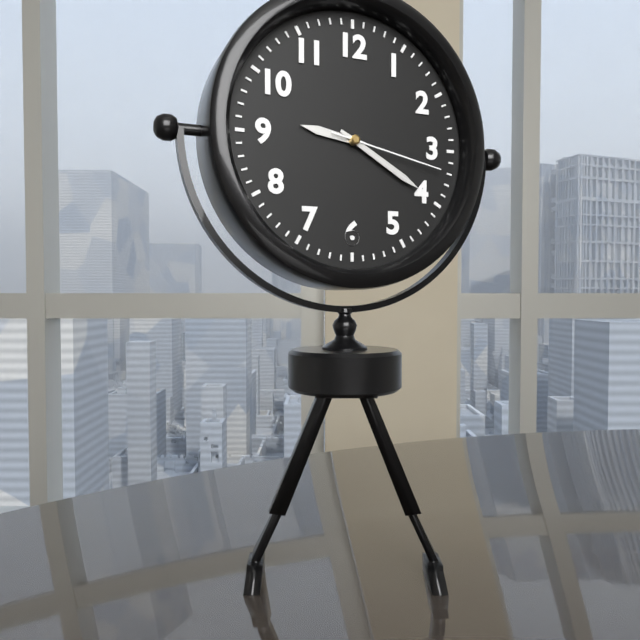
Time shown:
9.20.17
